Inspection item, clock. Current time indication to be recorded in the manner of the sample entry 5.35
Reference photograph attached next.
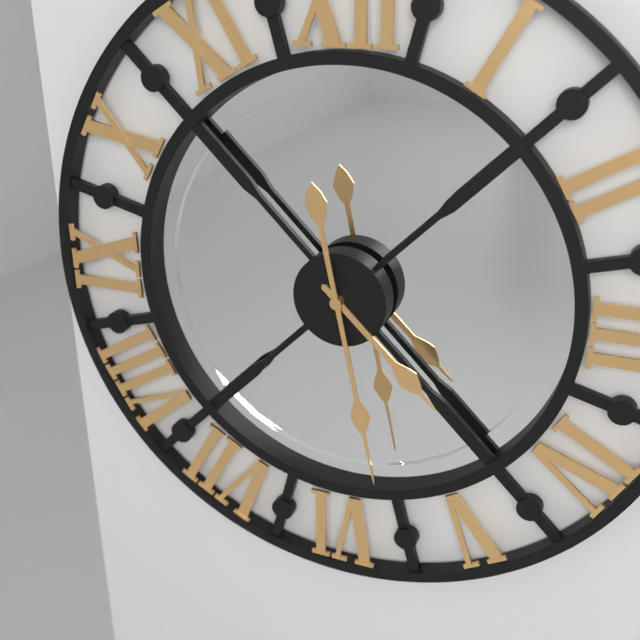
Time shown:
4.28
